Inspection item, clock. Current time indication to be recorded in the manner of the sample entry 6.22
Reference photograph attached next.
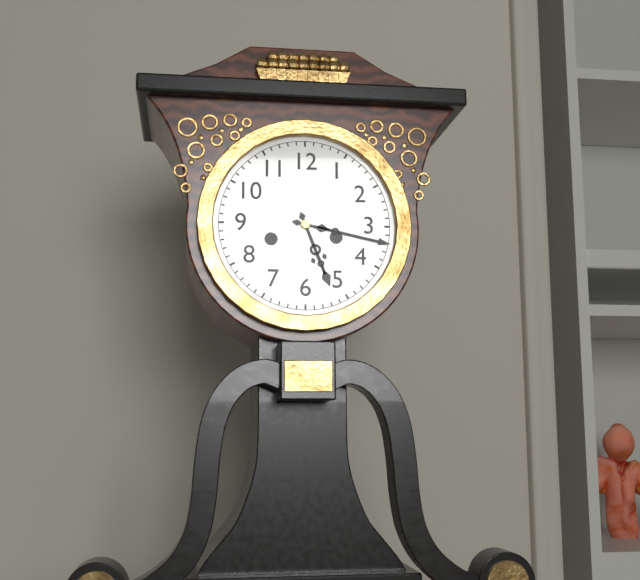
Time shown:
5.17
